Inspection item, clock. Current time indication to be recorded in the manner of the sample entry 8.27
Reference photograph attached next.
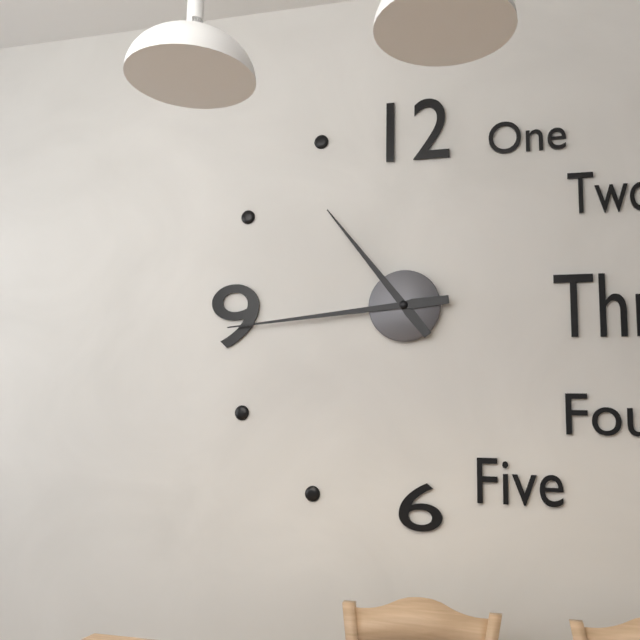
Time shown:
10.44
